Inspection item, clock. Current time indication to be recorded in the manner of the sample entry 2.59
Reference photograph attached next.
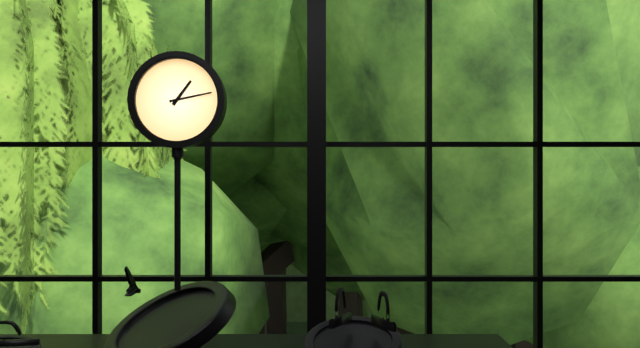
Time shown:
1.13
